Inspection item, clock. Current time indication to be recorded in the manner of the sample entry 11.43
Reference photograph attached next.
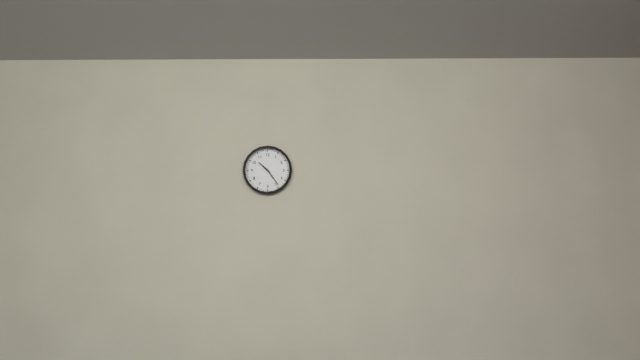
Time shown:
10.24
